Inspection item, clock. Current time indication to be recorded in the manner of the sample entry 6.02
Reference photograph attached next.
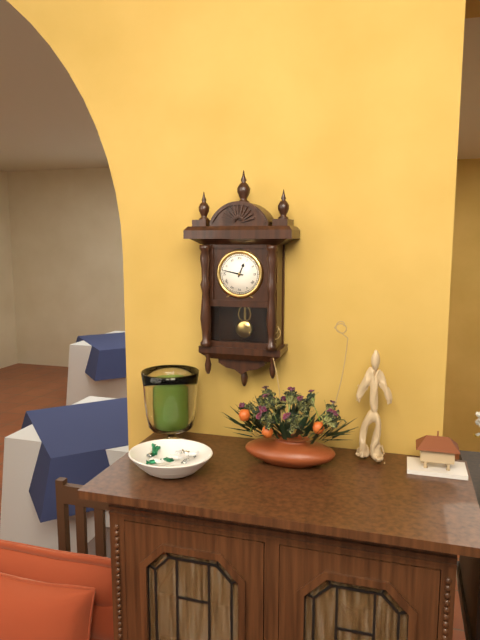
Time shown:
12.47
